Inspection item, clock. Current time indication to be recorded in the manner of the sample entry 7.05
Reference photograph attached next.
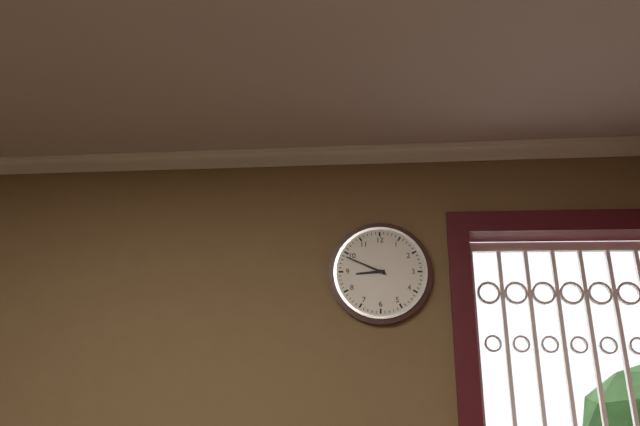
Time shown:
8.49
